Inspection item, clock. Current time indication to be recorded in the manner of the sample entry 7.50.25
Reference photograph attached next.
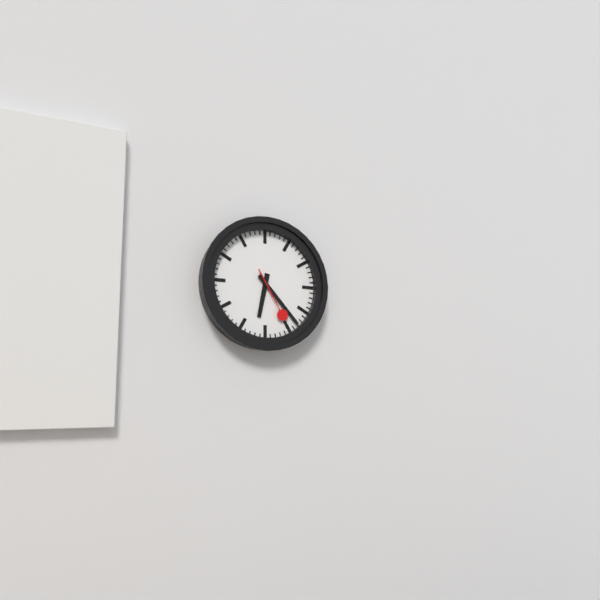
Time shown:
6.23.25
